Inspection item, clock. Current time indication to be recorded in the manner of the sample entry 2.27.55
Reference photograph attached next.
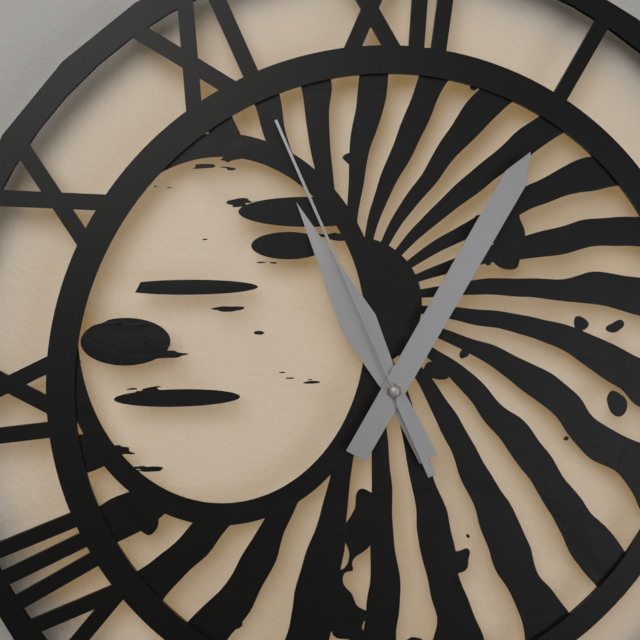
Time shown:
11.05.56
